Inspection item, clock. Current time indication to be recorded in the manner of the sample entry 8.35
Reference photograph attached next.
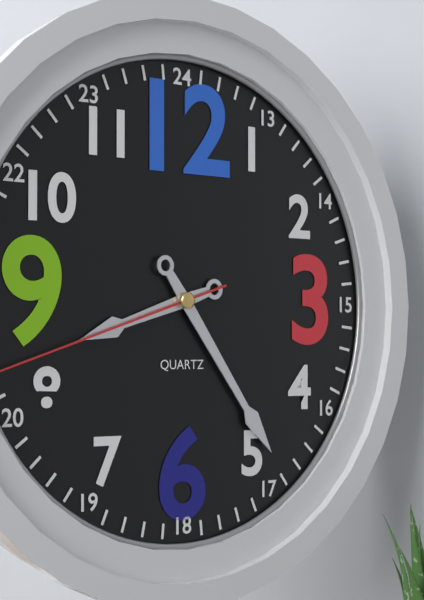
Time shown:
8.24
